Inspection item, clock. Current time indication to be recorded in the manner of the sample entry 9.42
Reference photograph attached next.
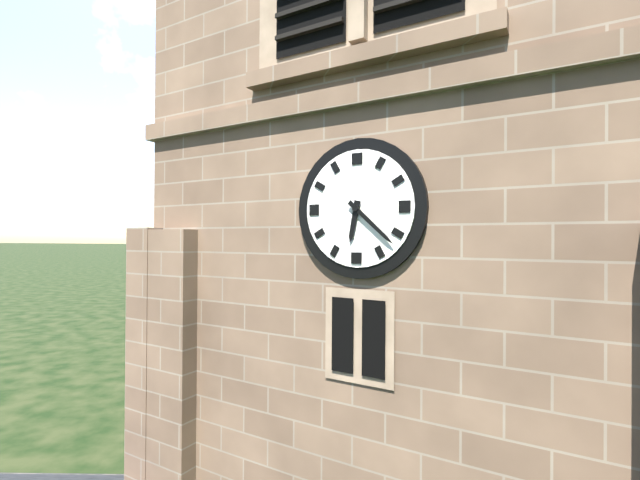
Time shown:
6.22
